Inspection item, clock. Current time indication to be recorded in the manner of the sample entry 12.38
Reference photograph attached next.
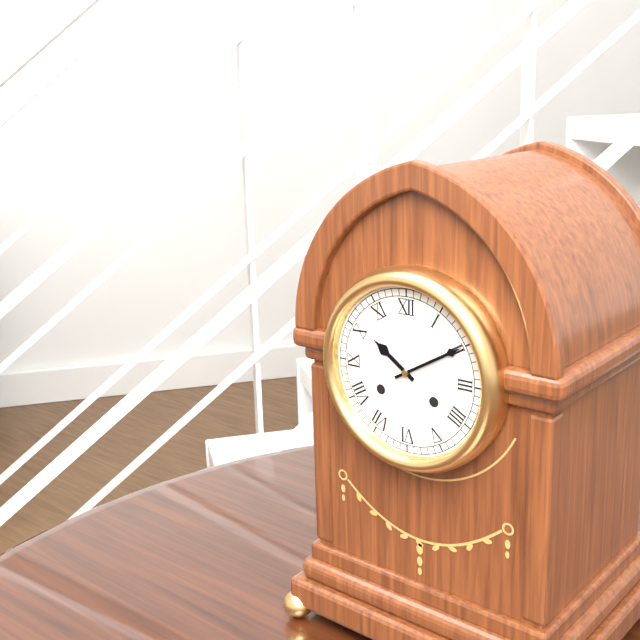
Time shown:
10.10
